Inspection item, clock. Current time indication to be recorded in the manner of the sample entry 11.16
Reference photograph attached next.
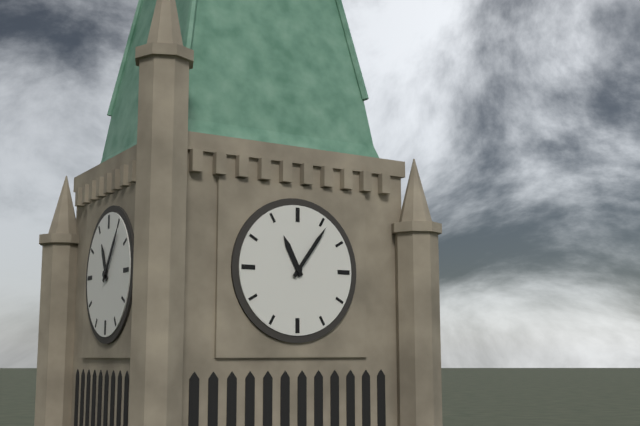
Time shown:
11.06
